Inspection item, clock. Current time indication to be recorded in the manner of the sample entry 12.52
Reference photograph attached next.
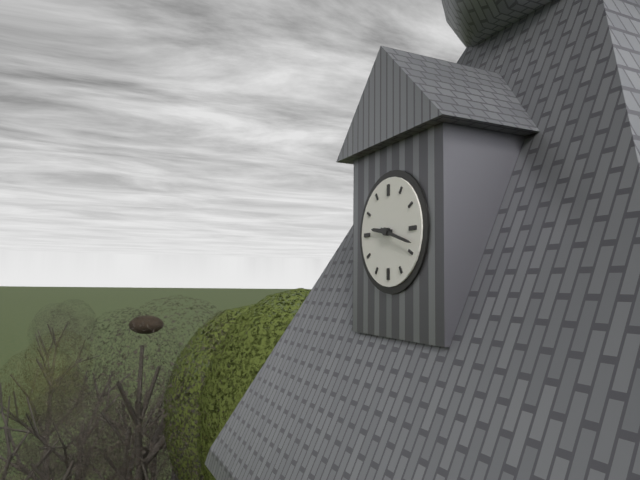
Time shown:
9.18
